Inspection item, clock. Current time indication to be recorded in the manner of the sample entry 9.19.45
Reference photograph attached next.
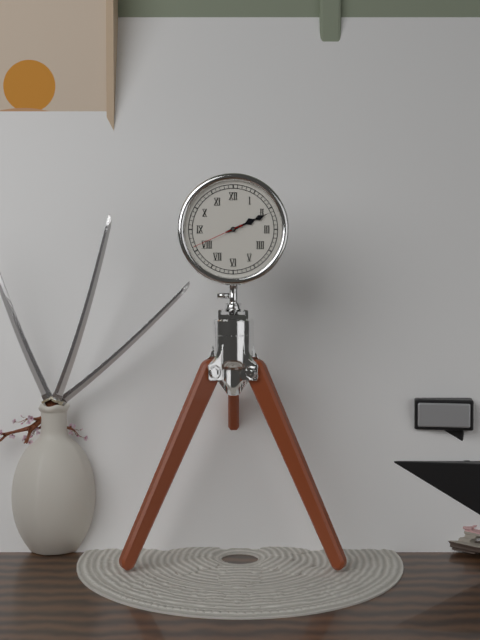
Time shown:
2.11.41
